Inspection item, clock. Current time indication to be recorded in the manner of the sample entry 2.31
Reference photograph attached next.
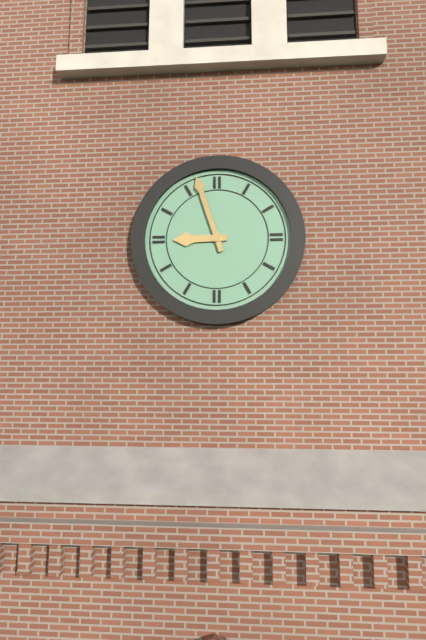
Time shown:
8.57
